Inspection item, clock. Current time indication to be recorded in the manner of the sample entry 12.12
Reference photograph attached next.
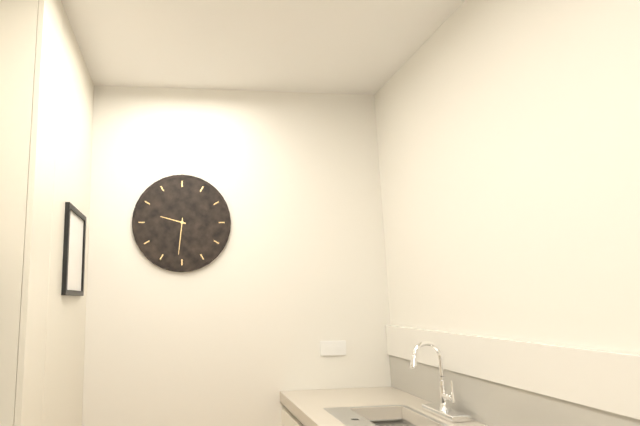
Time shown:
9.31
